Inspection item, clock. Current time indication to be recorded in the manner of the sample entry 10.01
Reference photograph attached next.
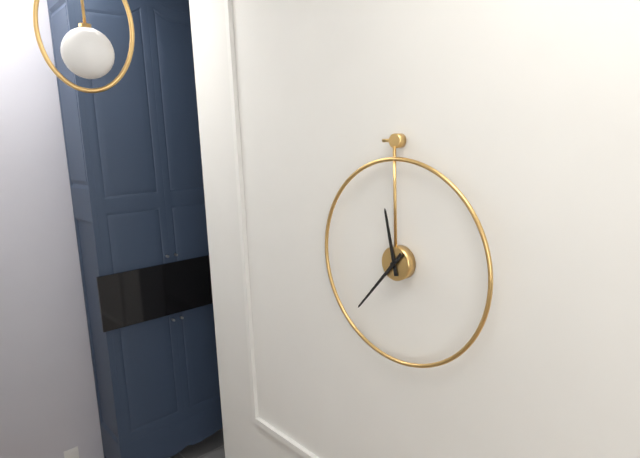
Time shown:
11.37
